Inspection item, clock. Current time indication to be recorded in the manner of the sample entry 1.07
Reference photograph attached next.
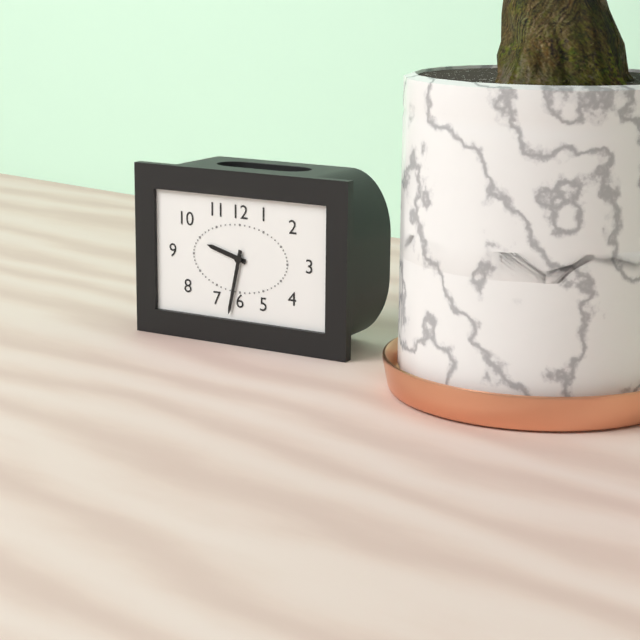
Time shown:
9.32
